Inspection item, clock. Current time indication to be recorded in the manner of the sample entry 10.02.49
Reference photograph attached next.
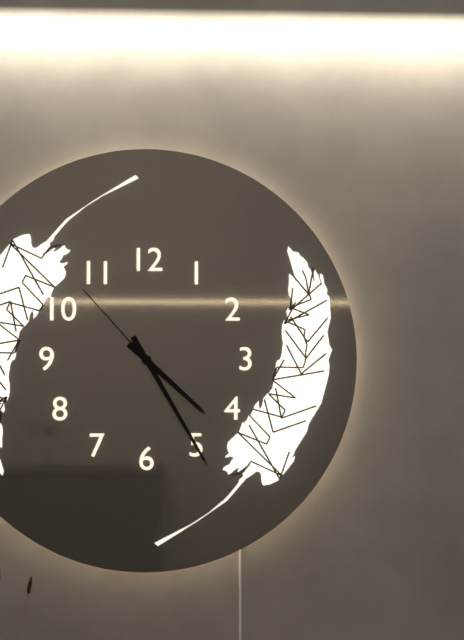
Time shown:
4.25.53
